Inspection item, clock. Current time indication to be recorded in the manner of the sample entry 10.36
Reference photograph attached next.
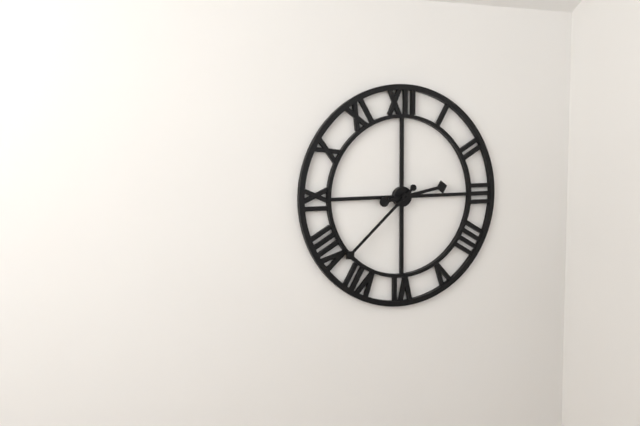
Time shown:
2.38
